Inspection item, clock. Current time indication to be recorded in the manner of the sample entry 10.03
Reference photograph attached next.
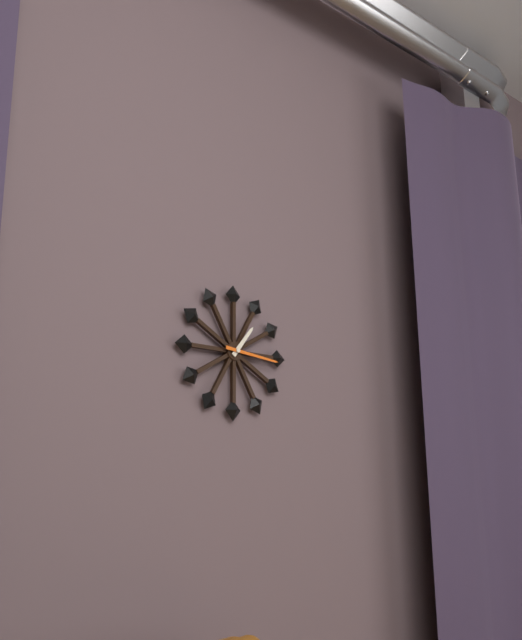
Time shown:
1.16
